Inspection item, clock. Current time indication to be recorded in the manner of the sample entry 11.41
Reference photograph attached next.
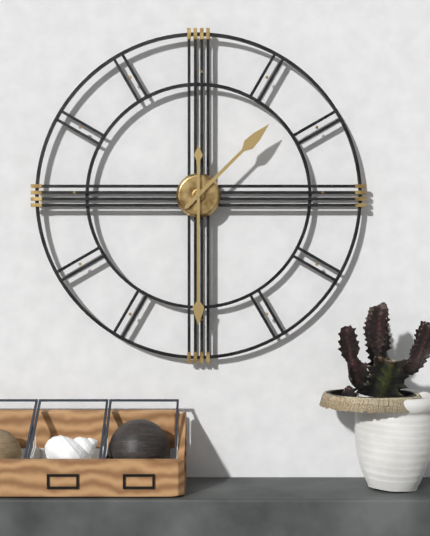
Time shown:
1.30
